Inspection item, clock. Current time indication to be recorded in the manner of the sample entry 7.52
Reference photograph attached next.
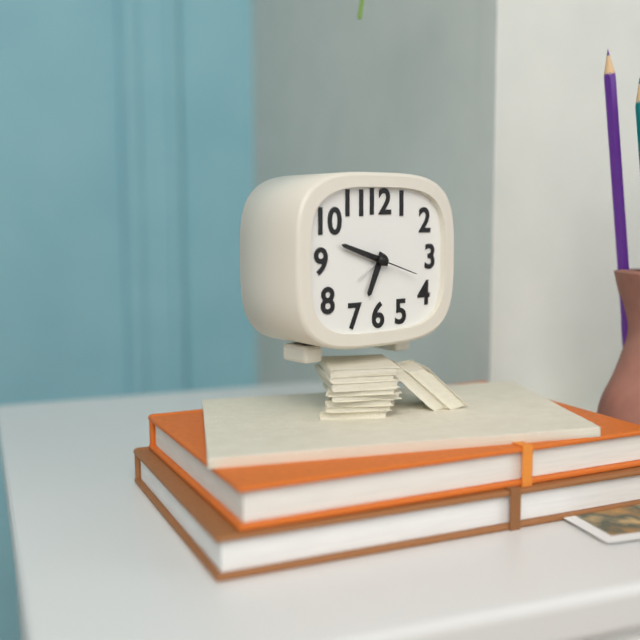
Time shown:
6.48
